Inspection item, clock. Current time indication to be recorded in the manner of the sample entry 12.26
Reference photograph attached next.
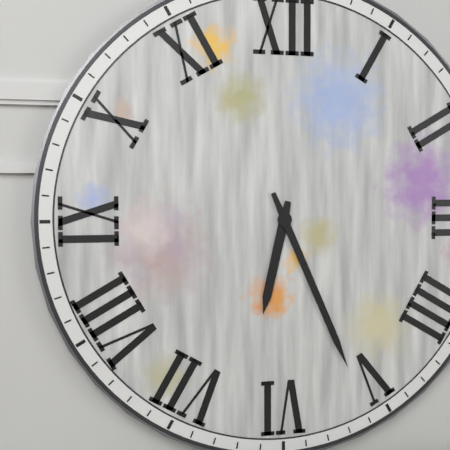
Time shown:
6.26
